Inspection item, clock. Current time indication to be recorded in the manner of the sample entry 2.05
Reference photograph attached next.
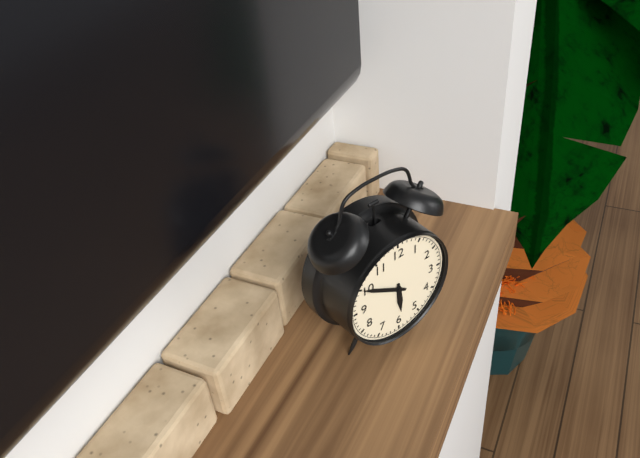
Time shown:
5.50
